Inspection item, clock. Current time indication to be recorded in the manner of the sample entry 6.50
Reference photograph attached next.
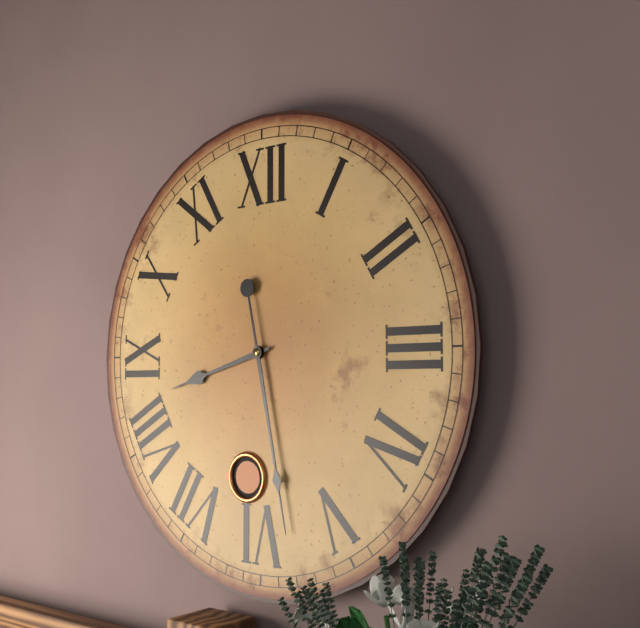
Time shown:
8.28
